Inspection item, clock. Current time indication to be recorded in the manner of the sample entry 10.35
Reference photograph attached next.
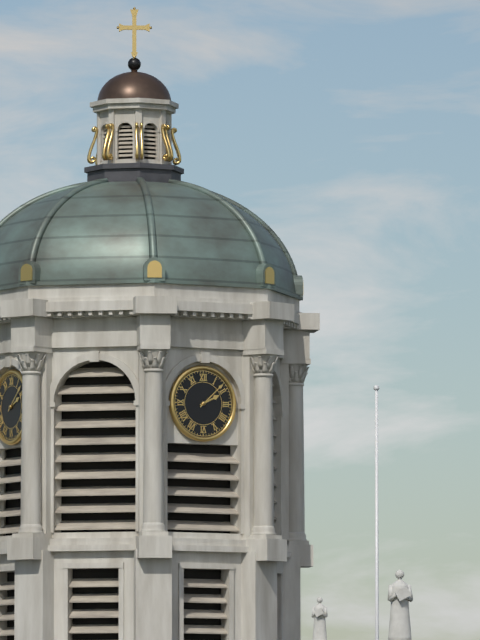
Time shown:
2.08
